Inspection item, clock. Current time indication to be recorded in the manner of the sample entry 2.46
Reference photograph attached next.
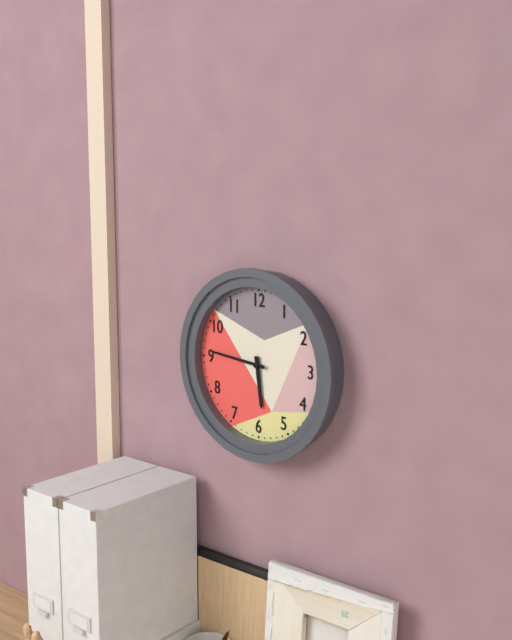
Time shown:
5.46
